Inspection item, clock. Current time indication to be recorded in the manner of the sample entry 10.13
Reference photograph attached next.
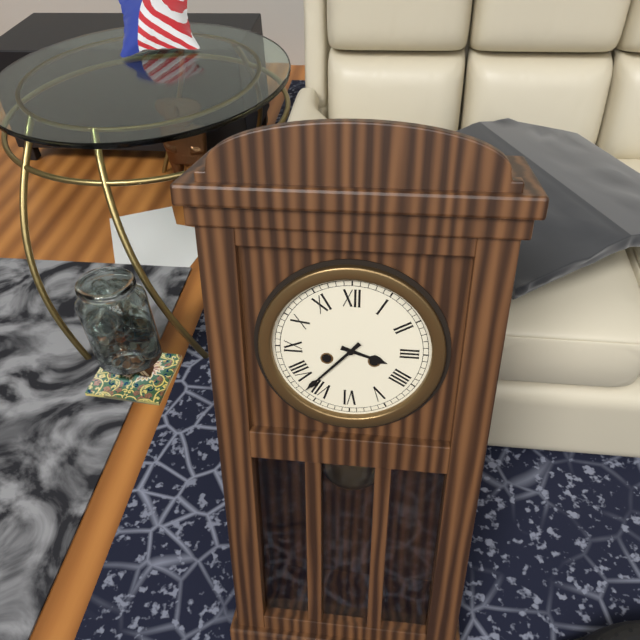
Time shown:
3.37
